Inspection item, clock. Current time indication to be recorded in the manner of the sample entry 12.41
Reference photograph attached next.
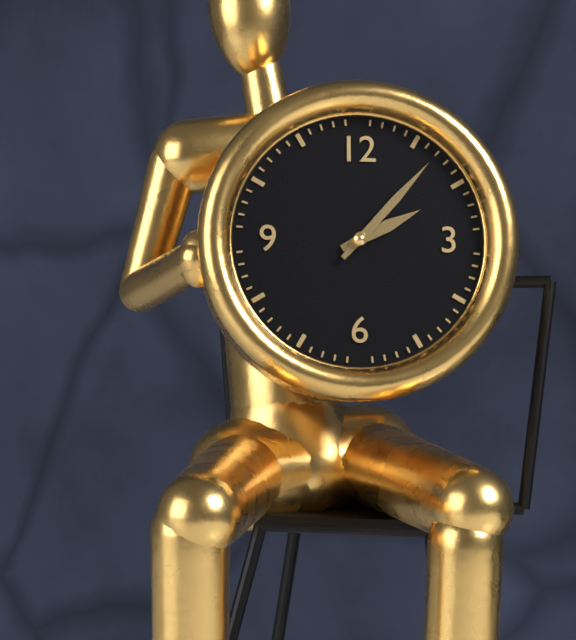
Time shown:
2.07
